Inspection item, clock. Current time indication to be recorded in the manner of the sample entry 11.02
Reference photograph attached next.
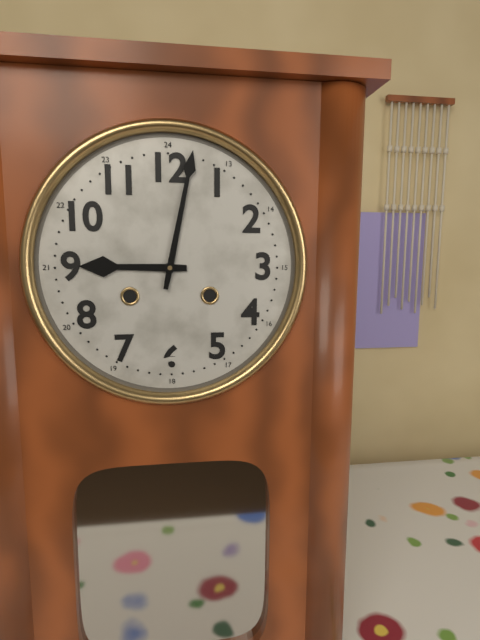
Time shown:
9.02
